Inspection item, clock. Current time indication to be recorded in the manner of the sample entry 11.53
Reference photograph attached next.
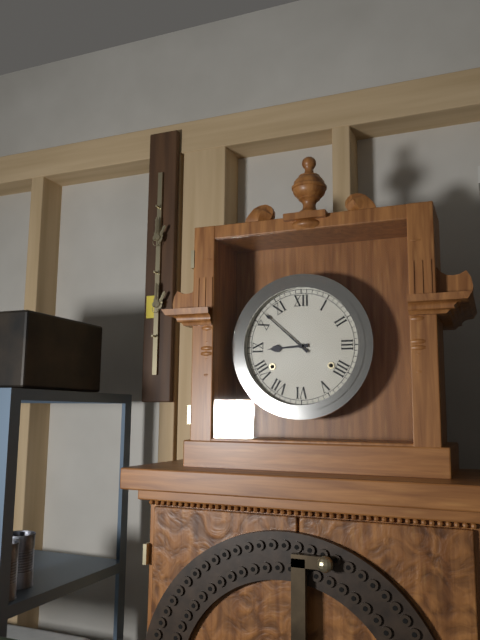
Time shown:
8.52
